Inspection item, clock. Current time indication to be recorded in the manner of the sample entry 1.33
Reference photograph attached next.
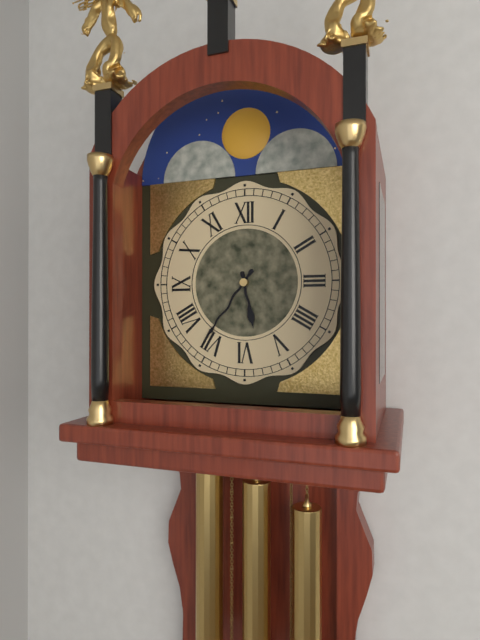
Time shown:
5.36
